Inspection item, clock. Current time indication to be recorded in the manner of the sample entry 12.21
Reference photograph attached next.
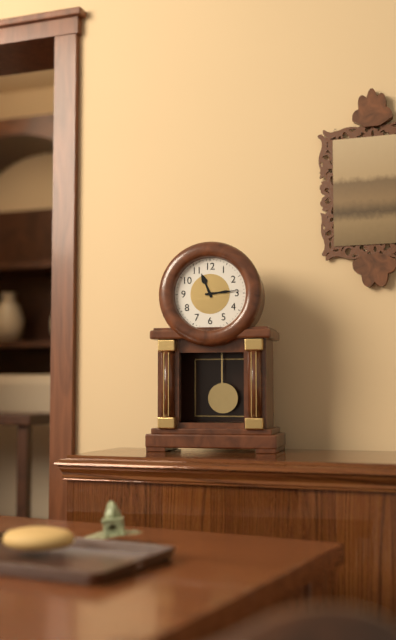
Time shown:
11.14
